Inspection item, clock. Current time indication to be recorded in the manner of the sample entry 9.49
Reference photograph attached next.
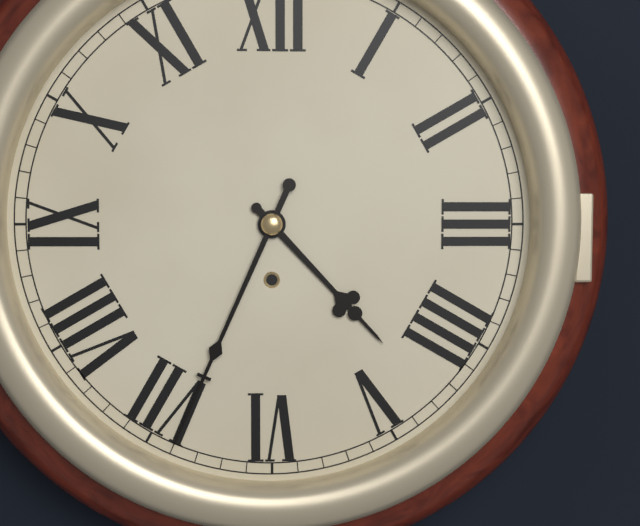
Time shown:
4.34
